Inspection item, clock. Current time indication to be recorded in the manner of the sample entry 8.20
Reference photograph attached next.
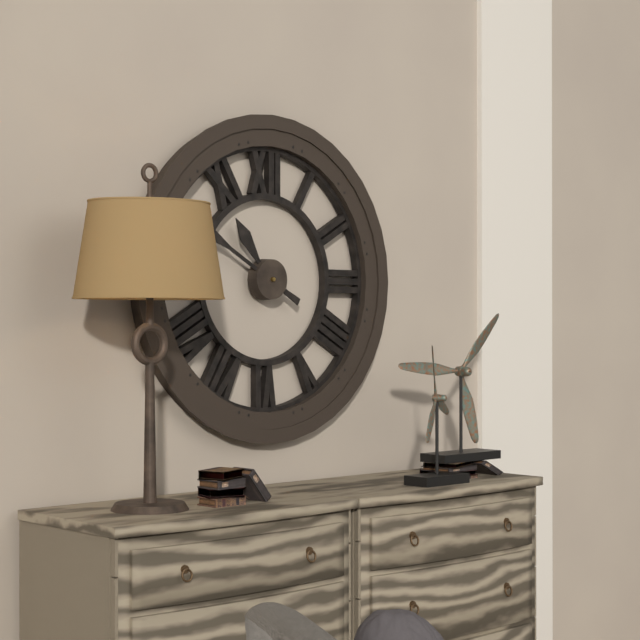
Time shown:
10.50
